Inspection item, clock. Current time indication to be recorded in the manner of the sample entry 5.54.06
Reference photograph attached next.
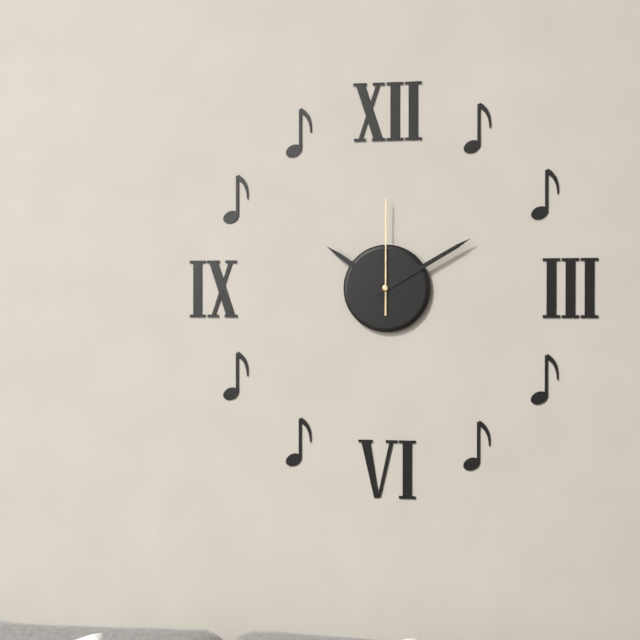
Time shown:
10.10.00
